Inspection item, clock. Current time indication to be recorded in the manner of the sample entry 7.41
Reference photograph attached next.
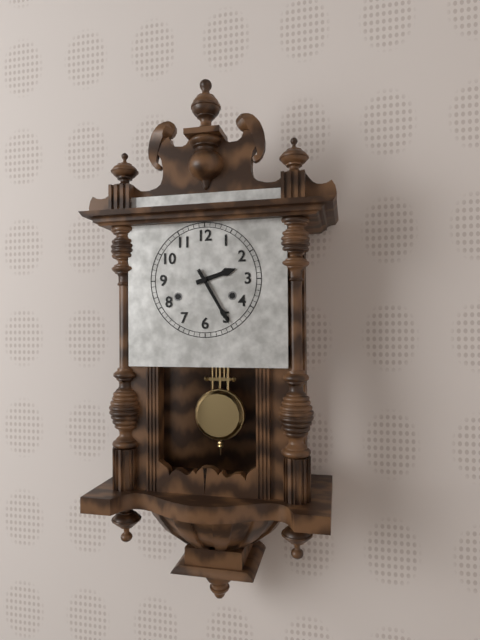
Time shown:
2.25
